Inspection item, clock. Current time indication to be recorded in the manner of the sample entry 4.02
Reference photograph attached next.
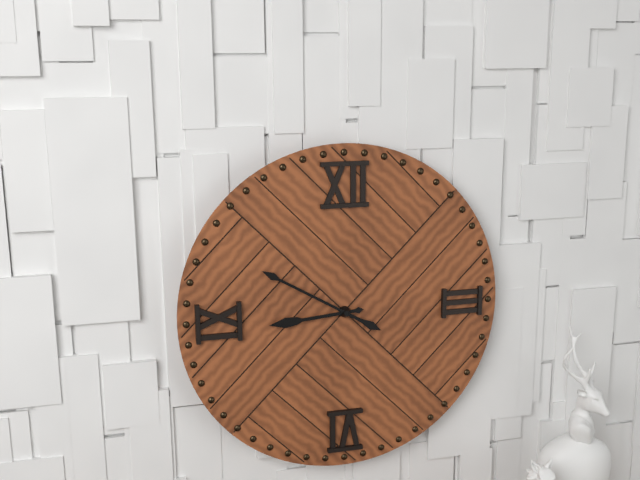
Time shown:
8.50
